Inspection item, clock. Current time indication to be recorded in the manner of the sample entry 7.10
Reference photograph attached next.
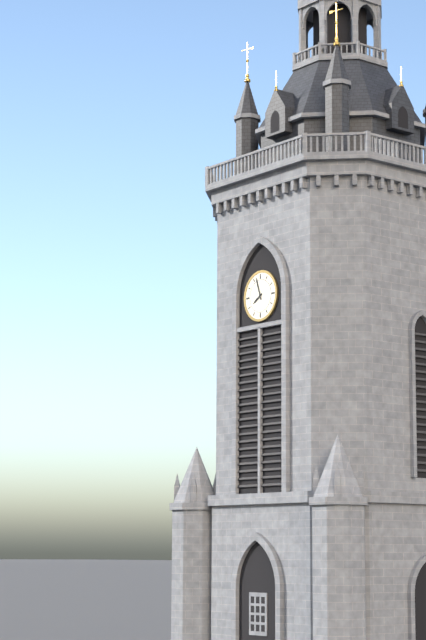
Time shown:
7.57
